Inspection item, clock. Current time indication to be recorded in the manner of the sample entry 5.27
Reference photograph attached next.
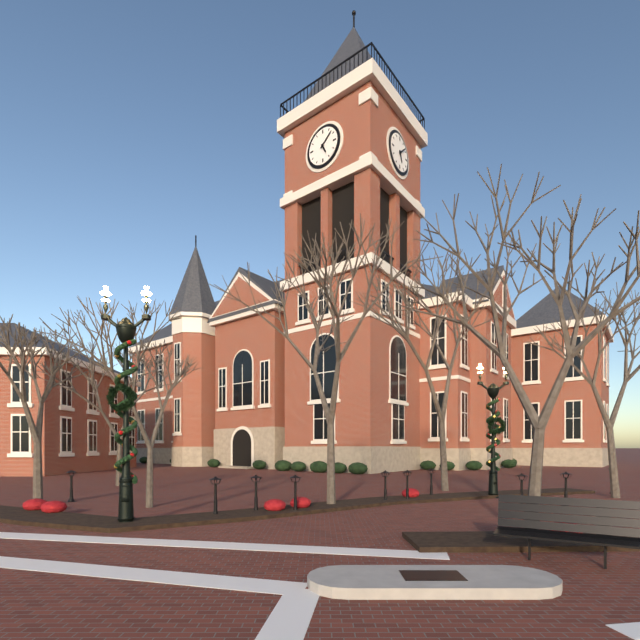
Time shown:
5.08
